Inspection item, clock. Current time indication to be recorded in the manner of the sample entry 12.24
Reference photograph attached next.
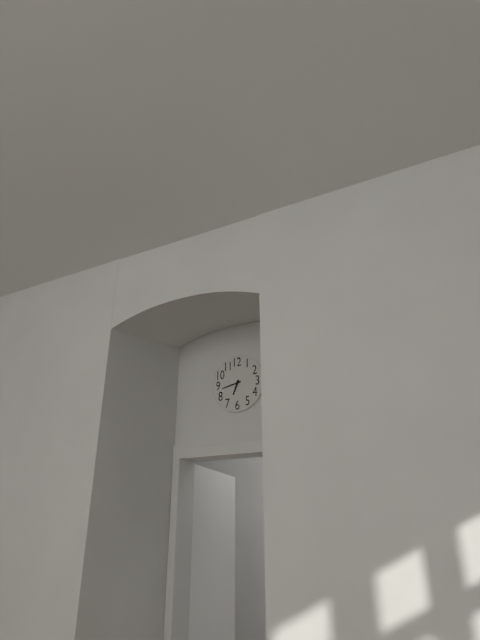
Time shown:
6.43
